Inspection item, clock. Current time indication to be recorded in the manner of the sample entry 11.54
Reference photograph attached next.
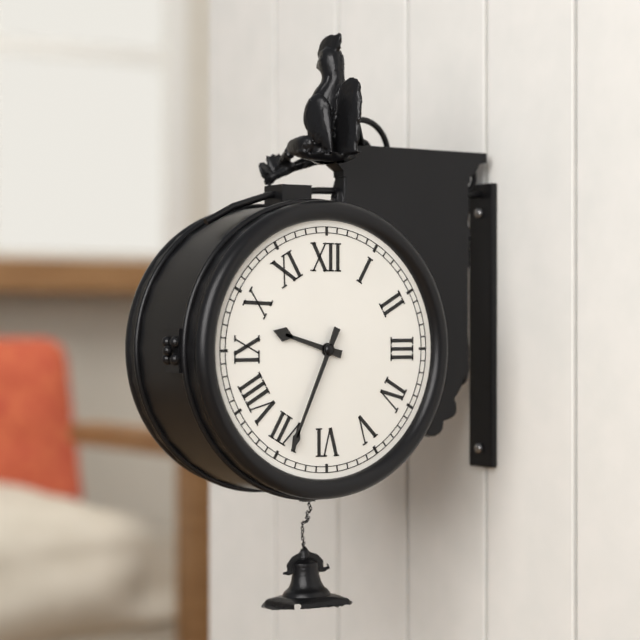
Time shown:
9.34
